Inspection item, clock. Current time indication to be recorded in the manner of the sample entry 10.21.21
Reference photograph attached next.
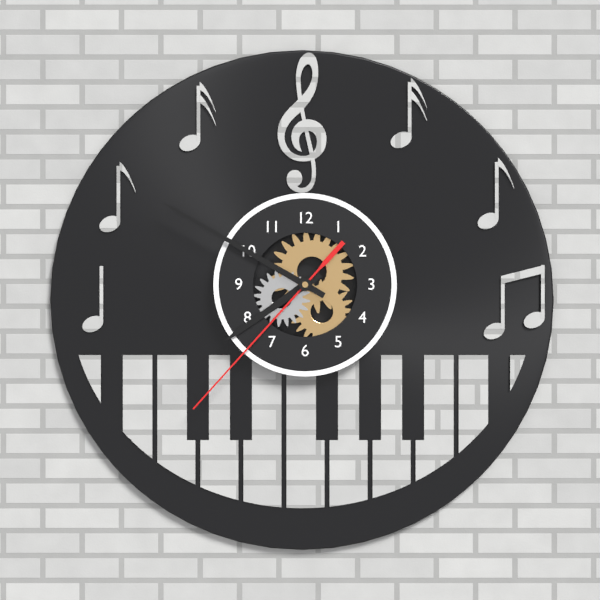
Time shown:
7.50.37
